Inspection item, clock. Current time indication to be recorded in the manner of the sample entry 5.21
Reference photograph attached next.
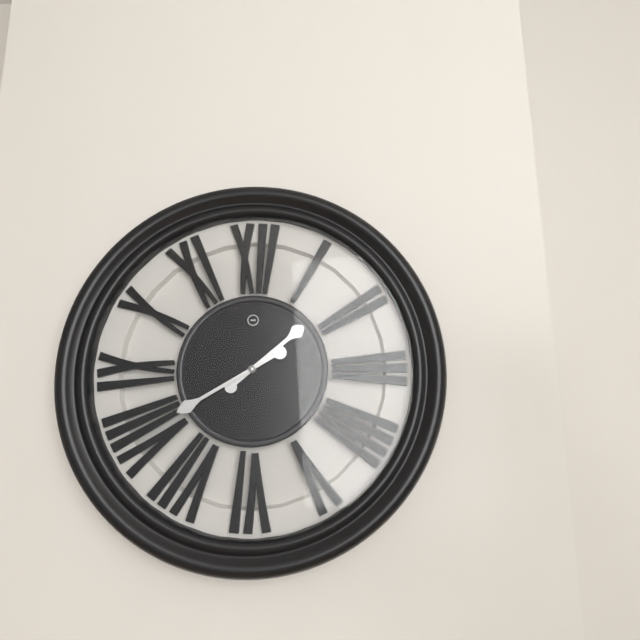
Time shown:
1.40
